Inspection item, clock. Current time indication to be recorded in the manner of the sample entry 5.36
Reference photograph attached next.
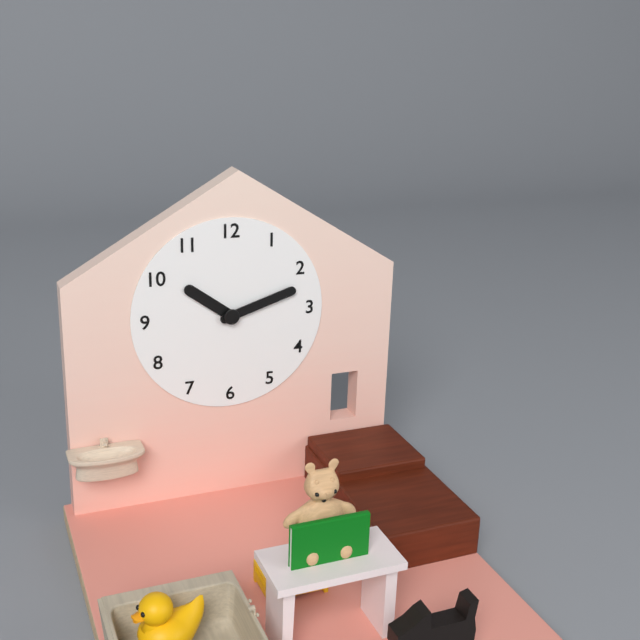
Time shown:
10.12
